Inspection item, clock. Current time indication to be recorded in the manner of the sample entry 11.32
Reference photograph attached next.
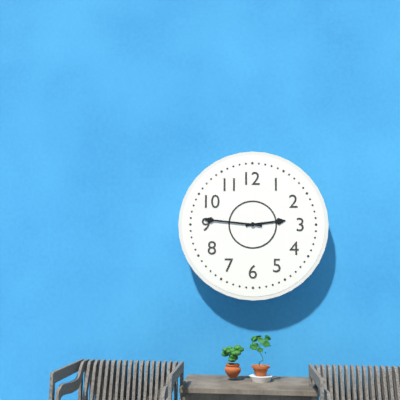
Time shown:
2.46
